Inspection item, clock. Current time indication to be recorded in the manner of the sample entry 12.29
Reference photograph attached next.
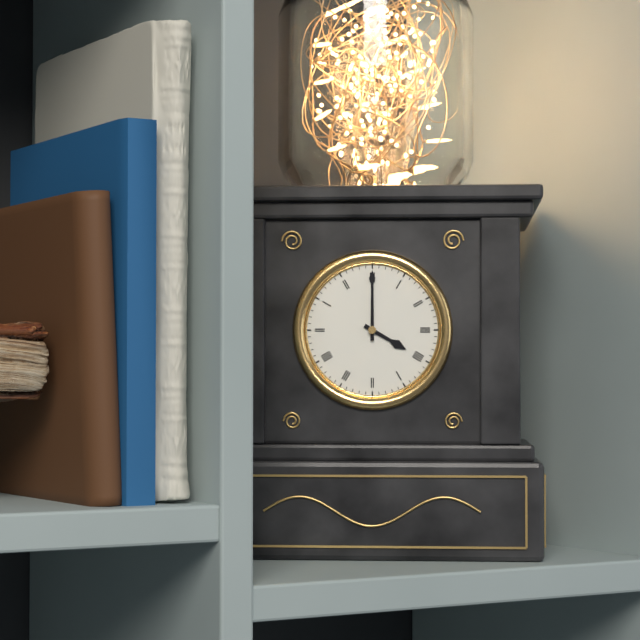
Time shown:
4.00
